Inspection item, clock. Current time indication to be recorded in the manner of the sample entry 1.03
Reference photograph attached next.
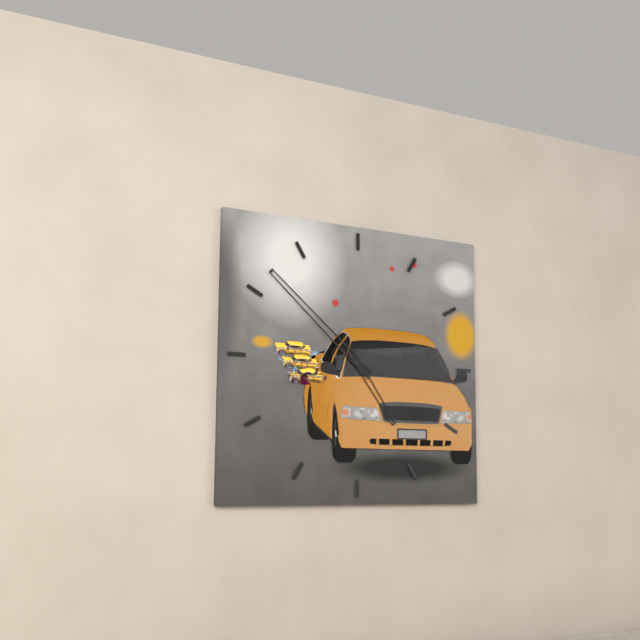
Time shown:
4.52
